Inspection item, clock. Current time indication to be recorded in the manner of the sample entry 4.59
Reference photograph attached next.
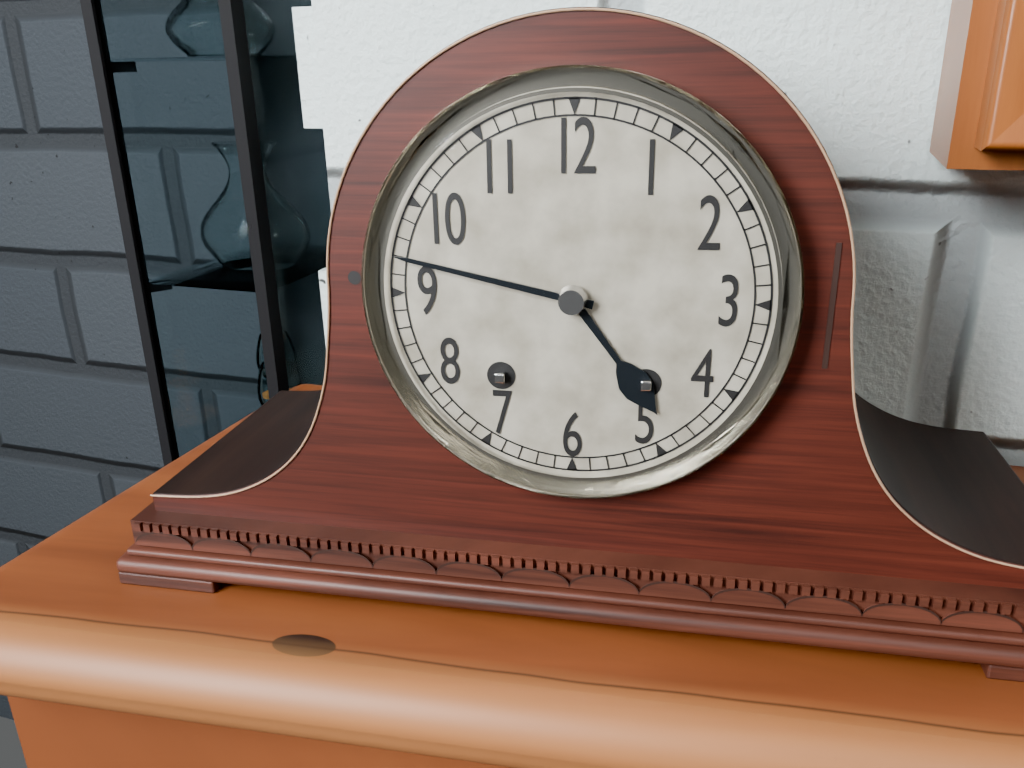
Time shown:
4.47
